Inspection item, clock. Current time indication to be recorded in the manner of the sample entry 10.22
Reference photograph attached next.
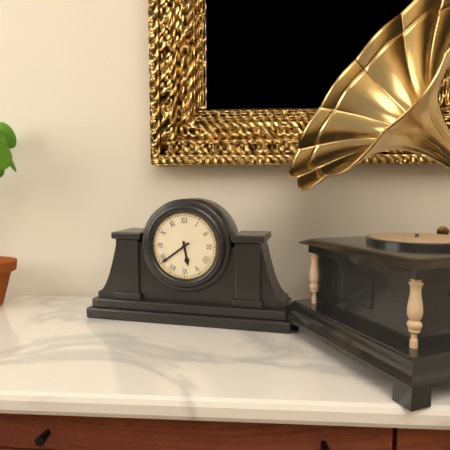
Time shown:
5.39
